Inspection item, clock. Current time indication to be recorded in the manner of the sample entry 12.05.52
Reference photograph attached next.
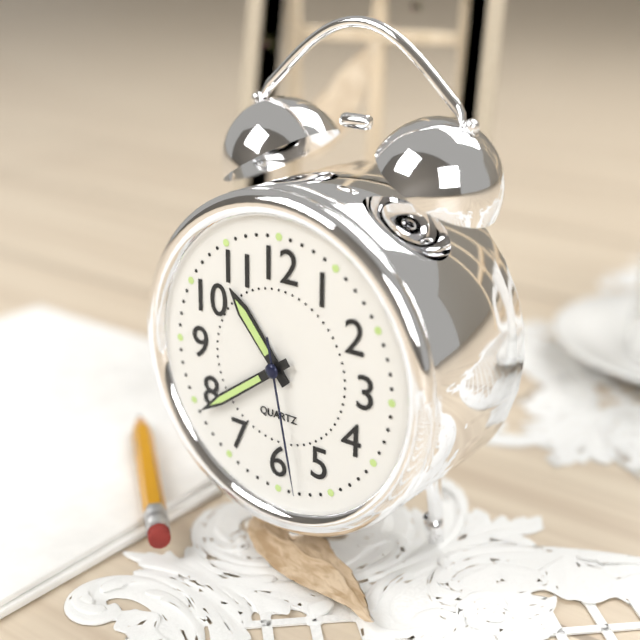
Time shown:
10.39.28
